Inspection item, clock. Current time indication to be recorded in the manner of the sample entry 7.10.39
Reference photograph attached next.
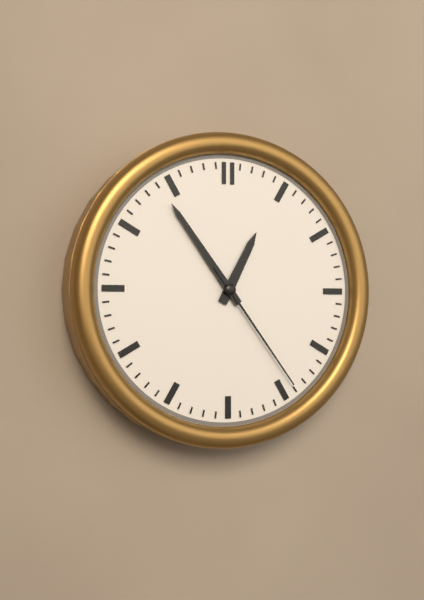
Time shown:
12.54.24
